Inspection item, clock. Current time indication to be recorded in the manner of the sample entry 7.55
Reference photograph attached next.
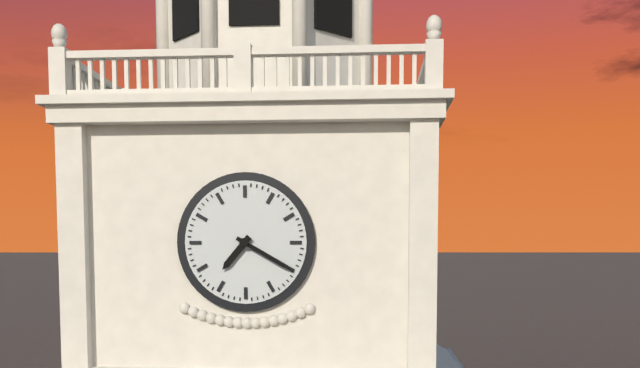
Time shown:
7.20
